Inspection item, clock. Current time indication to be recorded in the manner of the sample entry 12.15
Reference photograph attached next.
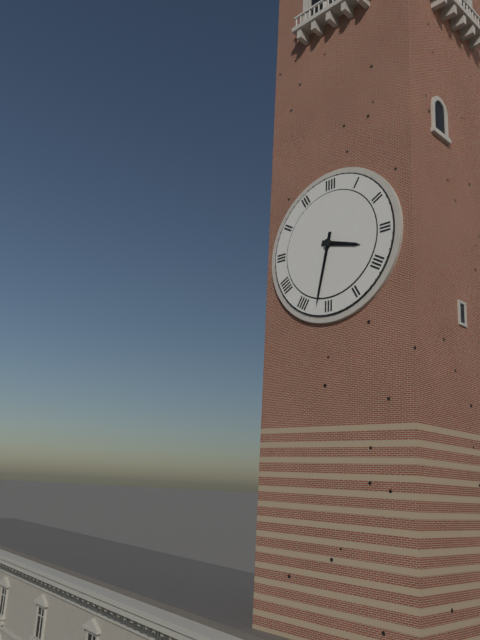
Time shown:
3.32
